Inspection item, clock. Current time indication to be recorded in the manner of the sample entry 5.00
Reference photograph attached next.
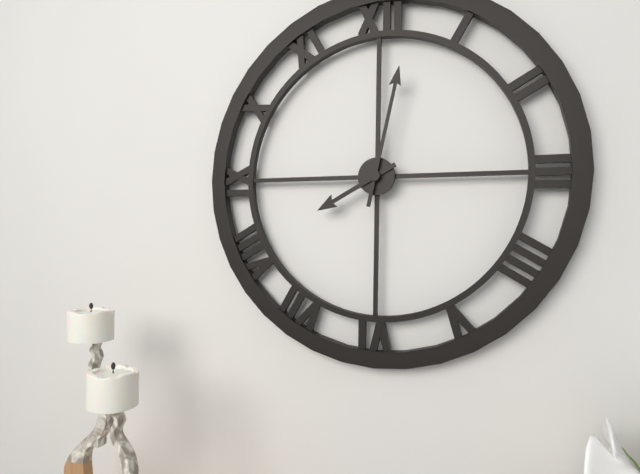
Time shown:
8.02
